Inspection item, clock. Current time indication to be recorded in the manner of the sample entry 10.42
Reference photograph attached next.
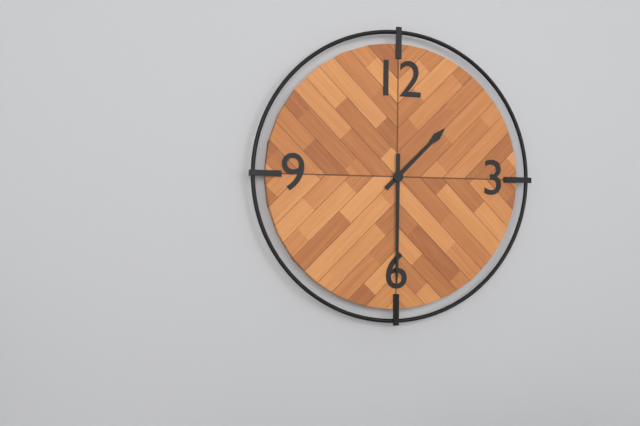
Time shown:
1.30
